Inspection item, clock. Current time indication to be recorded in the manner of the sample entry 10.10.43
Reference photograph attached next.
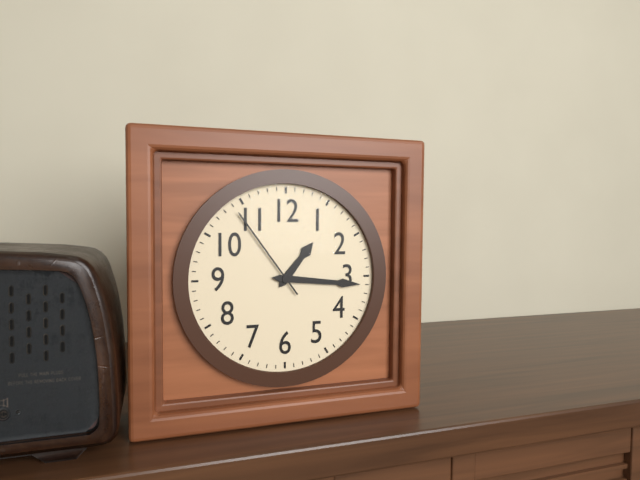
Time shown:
1.16.54
